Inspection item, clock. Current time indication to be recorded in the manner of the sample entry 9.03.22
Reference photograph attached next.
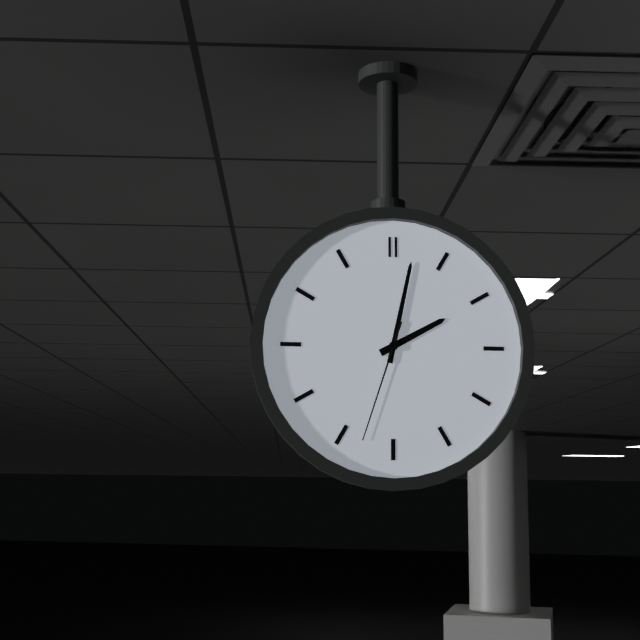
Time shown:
2.02.33
